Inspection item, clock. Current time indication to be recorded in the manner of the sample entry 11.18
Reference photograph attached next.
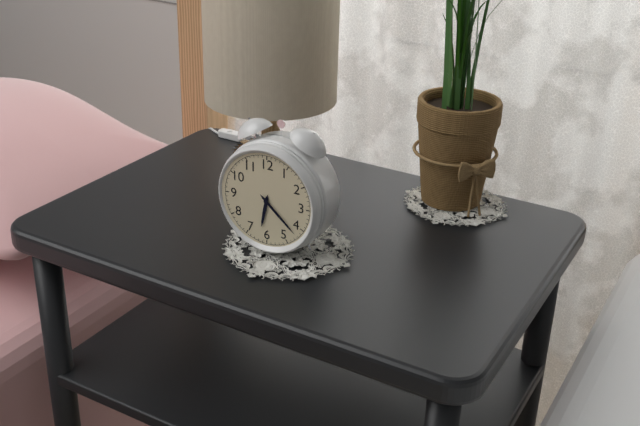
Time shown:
6.22
